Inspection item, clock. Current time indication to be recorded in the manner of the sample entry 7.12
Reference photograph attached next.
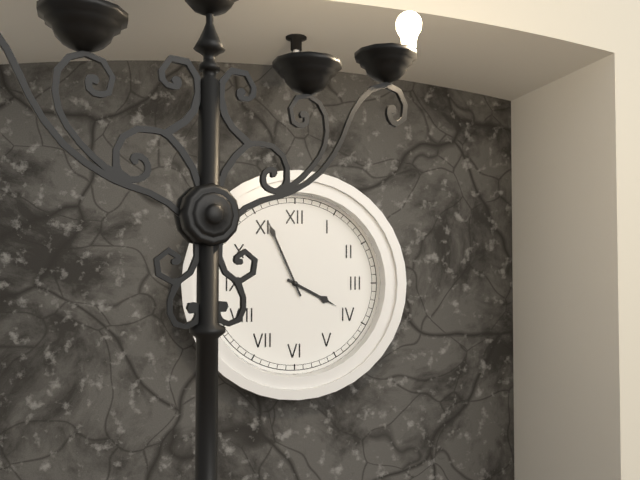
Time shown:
3.56
